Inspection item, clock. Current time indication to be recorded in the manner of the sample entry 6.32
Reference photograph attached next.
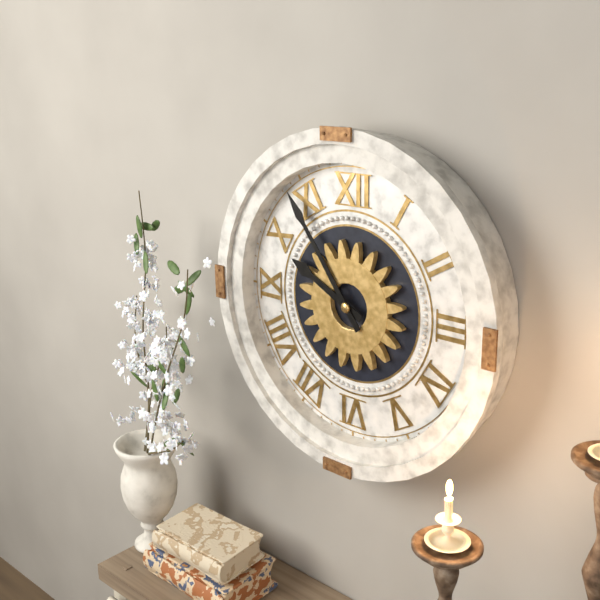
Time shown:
9.54
